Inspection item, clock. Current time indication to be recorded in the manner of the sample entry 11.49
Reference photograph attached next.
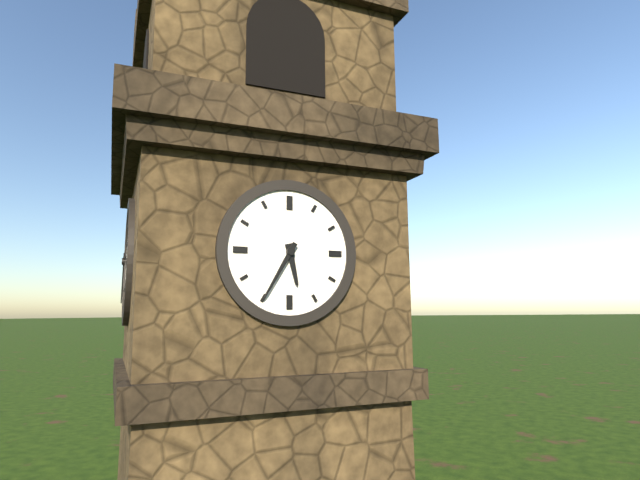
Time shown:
5.35
